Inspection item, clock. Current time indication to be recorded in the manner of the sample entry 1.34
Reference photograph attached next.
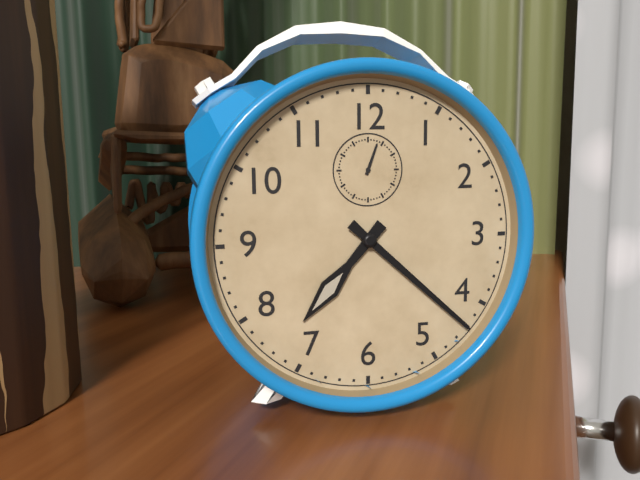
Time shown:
7.22
